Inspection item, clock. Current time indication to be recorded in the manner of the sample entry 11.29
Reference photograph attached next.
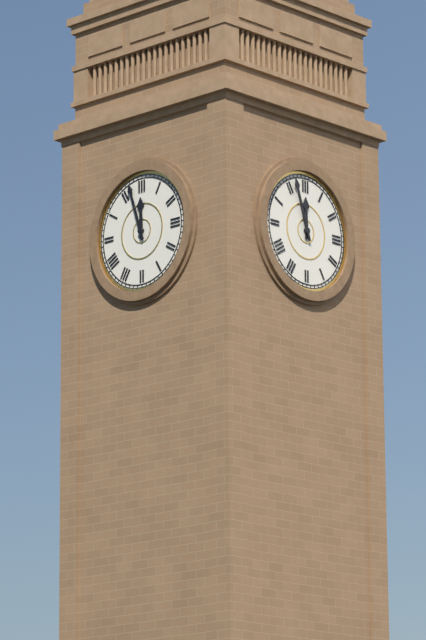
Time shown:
11.57
